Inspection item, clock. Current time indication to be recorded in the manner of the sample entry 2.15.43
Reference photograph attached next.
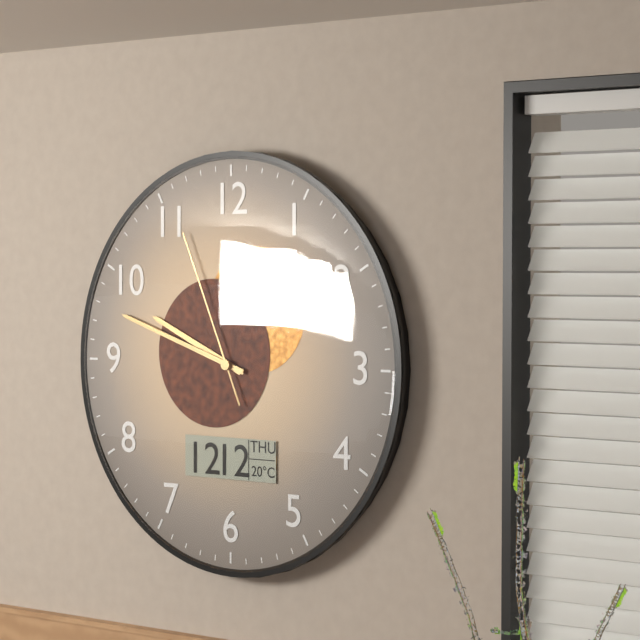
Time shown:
9.48.56
